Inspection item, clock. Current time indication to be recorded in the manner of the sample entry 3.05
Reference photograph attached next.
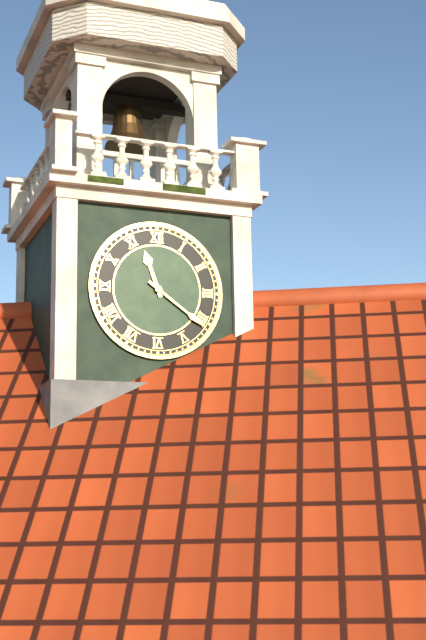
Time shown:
11.21
